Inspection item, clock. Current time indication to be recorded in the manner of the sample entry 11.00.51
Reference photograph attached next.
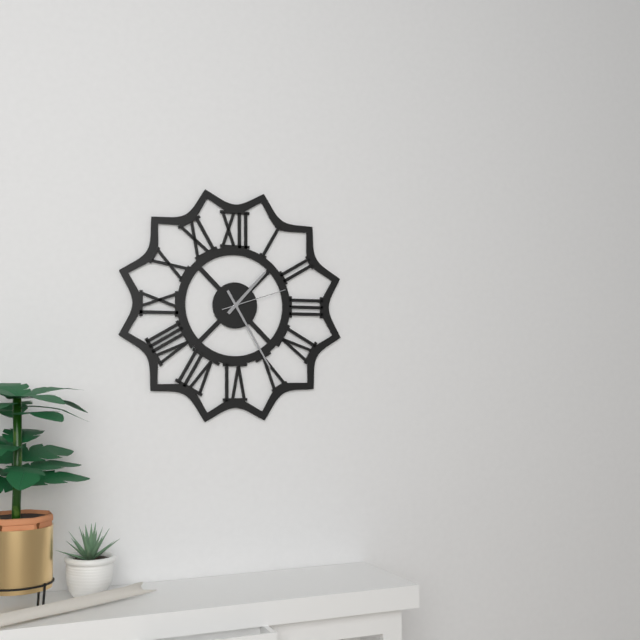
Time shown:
1.25.12
